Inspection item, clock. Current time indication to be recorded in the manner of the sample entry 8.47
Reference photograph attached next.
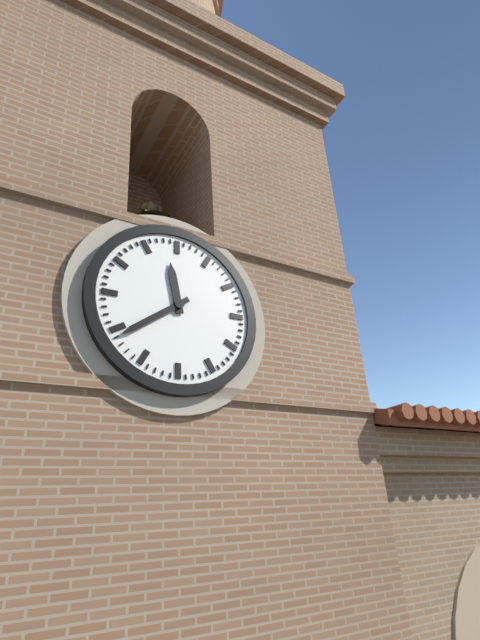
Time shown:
11.39
